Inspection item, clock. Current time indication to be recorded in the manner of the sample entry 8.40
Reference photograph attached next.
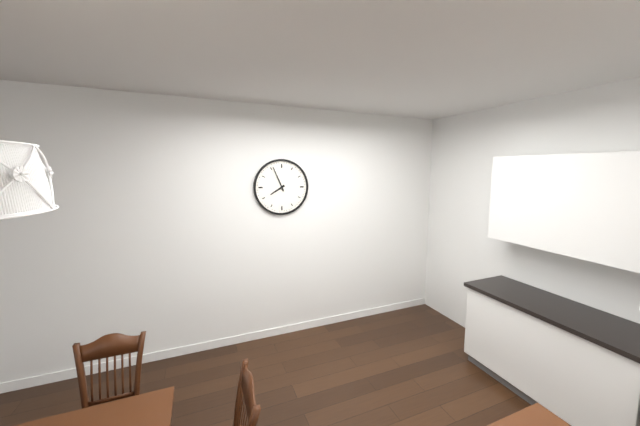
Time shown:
7.56
